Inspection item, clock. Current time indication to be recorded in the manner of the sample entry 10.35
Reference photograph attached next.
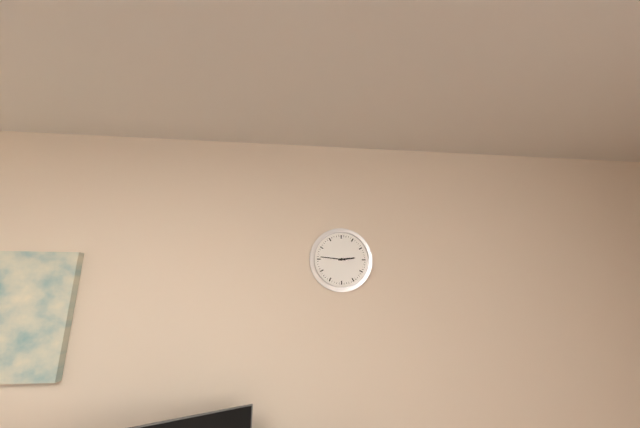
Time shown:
2.46
